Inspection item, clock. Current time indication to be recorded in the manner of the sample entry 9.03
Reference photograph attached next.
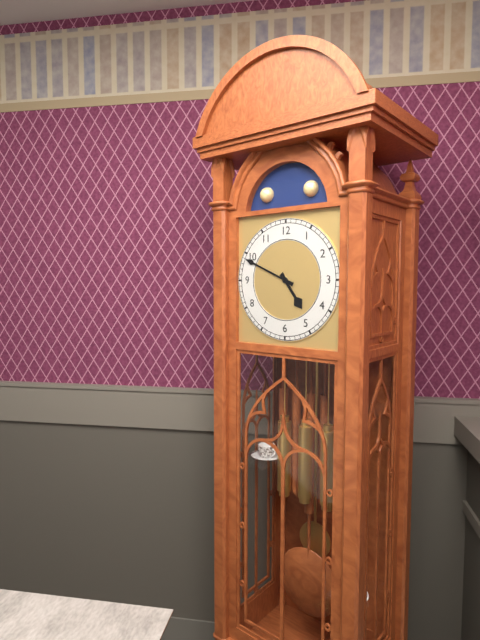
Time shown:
4.49
